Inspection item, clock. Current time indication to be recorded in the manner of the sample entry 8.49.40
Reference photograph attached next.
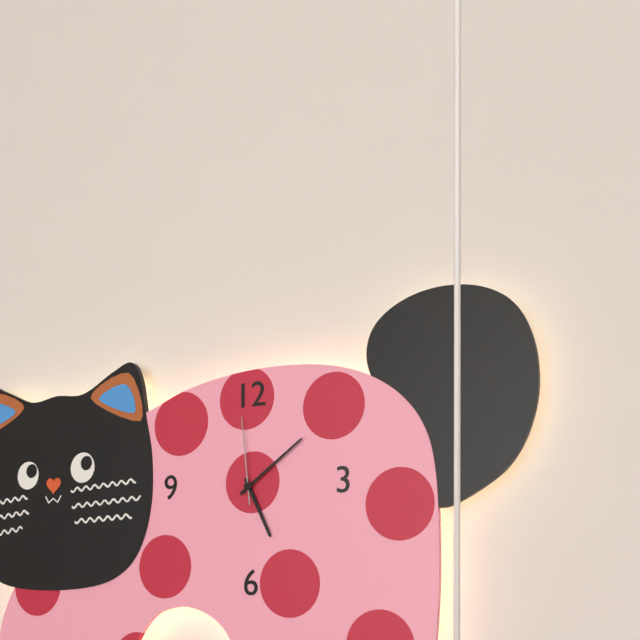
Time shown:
5.09.59
